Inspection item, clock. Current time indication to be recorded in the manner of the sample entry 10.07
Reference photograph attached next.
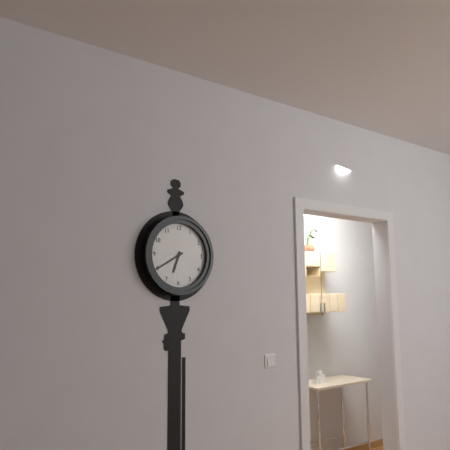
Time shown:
6.40
